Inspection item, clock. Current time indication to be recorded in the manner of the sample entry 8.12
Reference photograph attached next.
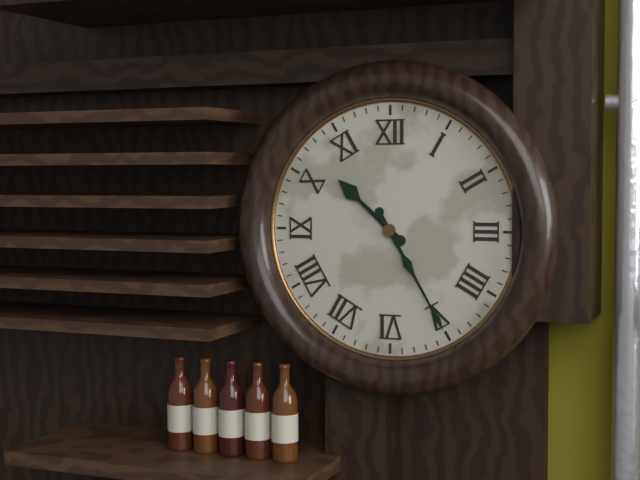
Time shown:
10.25
